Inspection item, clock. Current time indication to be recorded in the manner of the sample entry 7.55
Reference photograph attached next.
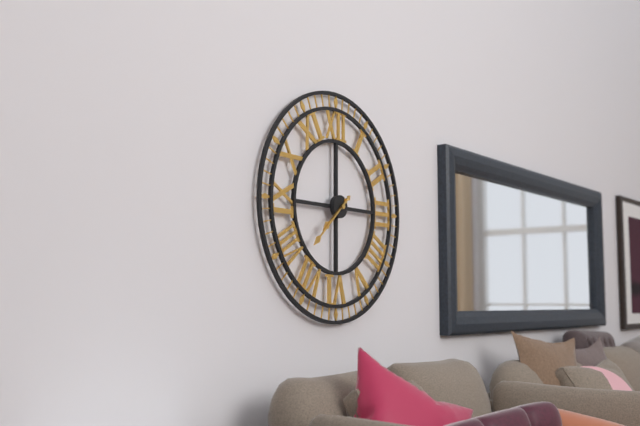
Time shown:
7.38
